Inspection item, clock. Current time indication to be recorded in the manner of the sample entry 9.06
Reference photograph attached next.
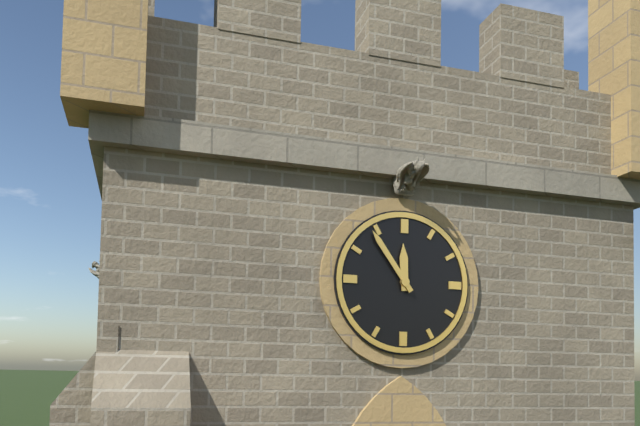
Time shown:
11.54
